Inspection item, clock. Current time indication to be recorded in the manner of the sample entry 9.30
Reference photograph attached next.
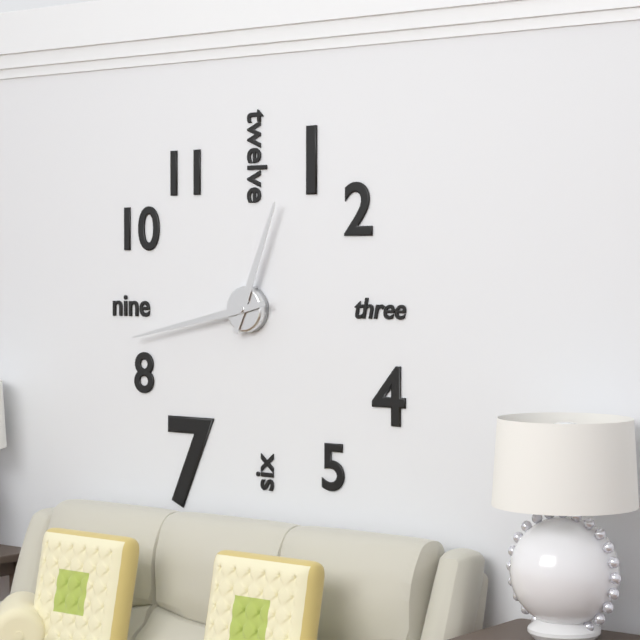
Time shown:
12.43
